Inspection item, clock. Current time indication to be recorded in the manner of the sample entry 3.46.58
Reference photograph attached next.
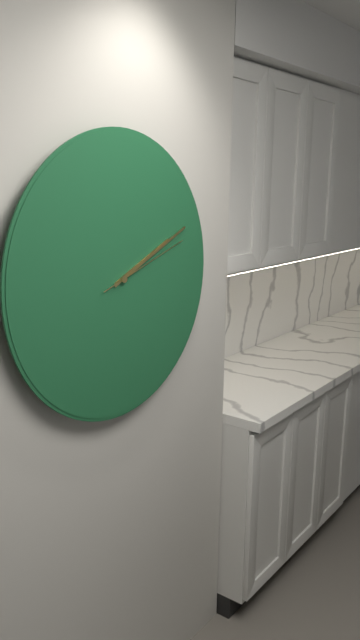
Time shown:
2.11.12
